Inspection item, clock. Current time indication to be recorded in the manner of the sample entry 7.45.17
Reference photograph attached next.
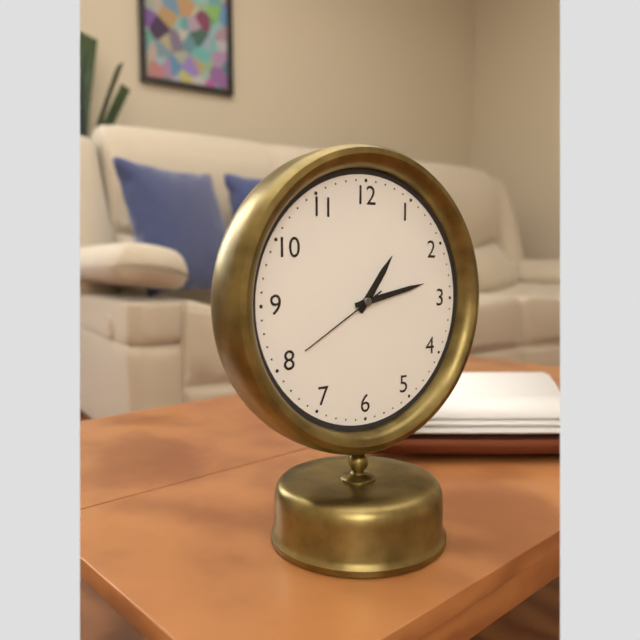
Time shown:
1.13.40
